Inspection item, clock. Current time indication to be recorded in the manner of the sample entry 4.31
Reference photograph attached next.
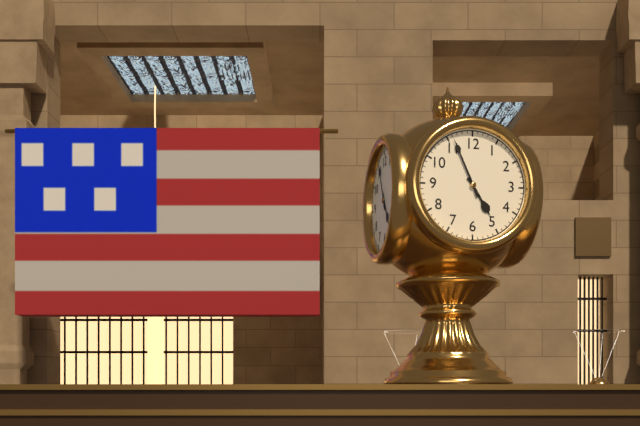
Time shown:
4.56
